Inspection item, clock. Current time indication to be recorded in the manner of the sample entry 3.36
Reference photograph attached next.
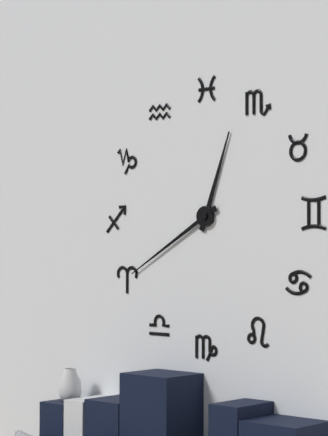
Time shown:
12.40
